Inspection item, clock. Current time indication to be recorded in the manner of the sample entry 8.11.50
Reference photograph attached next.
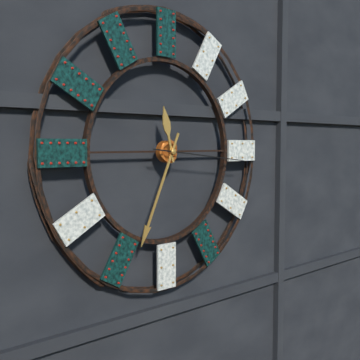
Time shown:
11.34.16
